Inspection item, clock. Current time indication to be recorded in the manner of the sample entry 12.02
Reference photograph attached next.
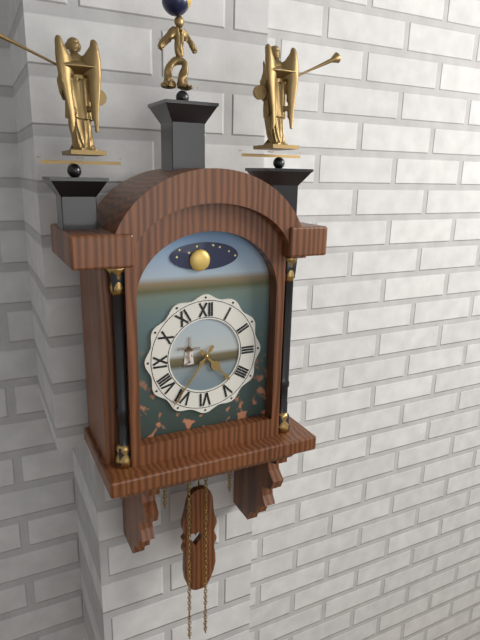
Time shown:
4.36
